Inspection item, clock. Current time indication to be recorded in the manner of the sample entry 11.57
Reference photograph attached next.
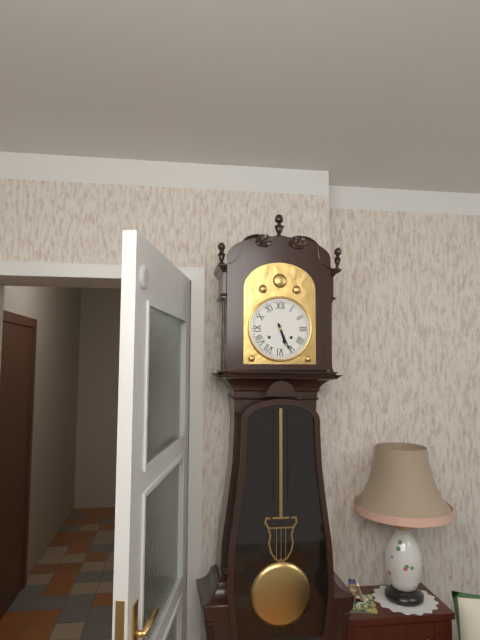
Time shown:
5.26
